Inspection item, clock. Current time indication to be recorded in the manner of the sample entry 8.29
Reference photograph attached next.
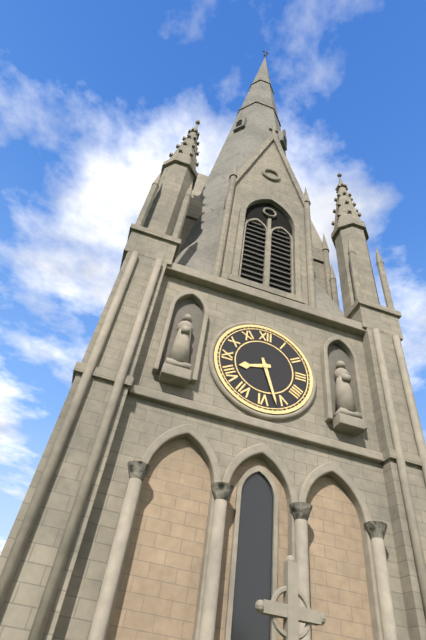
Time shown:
8.27
